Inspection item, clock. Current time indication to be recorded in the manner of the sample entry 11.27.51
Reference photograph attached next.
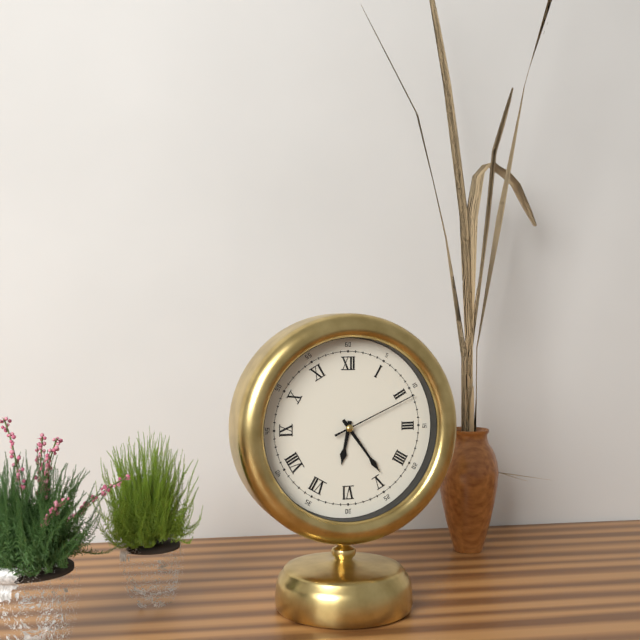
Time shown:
6.24.11
